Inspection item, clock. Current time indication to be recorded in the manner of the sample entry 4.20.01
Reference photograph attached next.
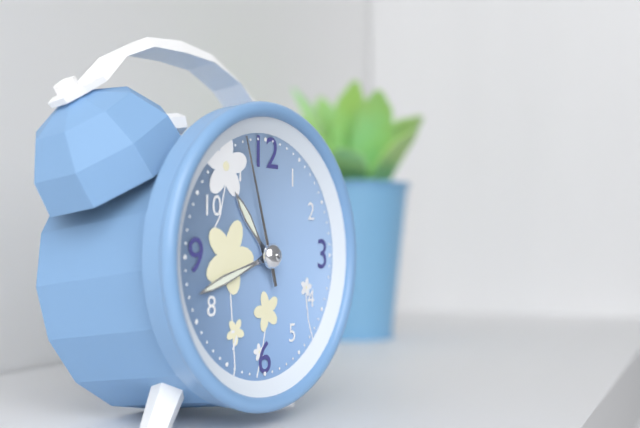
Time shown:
10.42.57
